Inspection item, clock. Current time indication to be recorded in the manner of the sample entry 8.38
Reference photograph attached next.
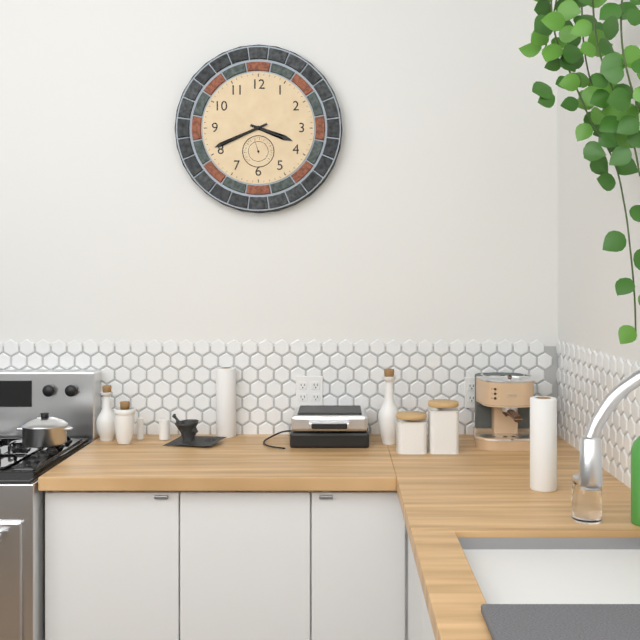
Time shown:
3.41
